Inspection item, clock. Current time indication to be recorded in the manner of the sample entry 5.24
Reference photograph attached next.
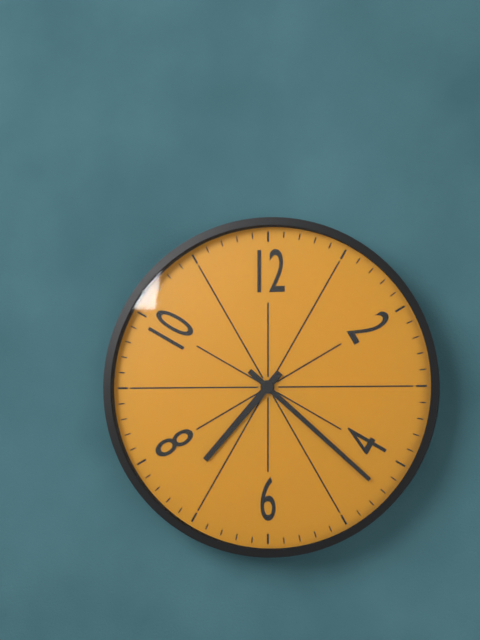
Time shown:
7.22
